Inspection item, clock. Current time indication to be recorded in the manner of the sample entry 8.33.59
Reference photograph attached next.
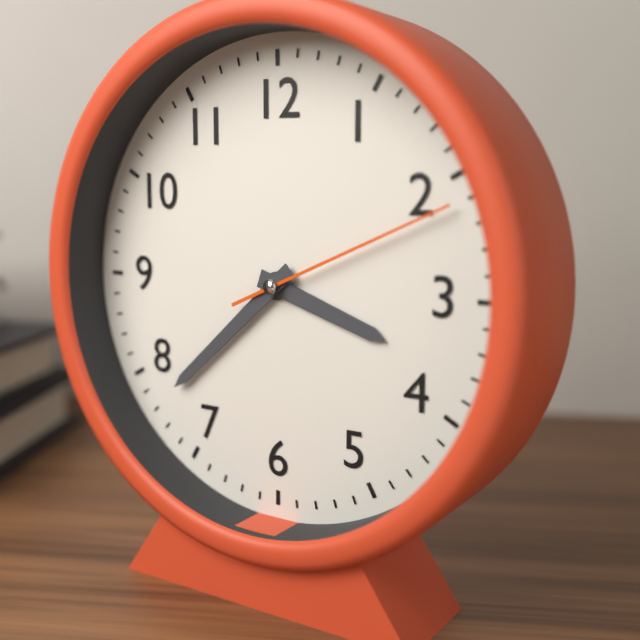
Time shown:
3.38.11
